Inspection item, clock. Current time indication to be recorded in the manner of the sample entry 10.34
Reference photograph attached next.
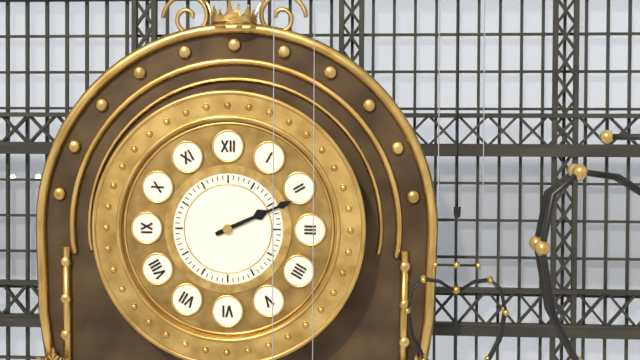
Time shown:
2.11
